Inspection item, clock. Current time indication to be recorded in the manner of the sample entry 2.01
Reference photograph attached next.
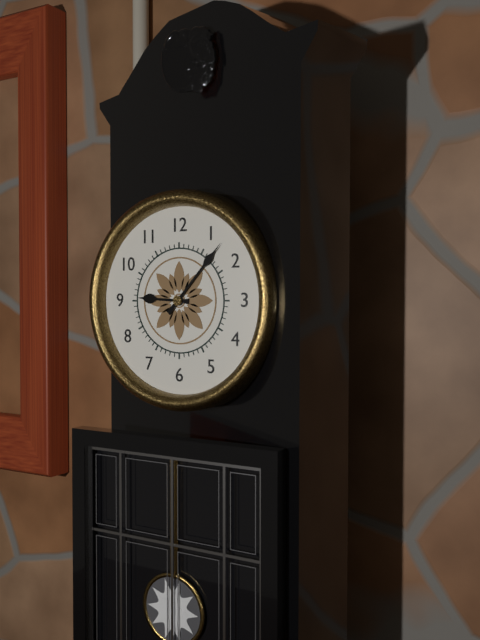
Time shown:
9.07
